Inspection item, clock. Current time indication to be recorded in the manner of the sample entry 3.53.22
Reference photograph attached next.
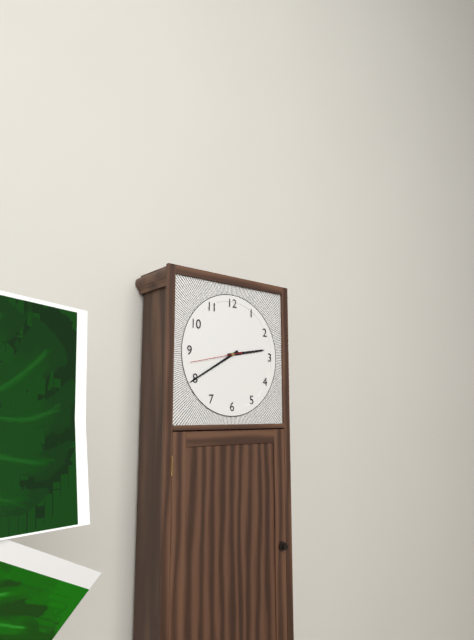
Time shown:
2.40.43
